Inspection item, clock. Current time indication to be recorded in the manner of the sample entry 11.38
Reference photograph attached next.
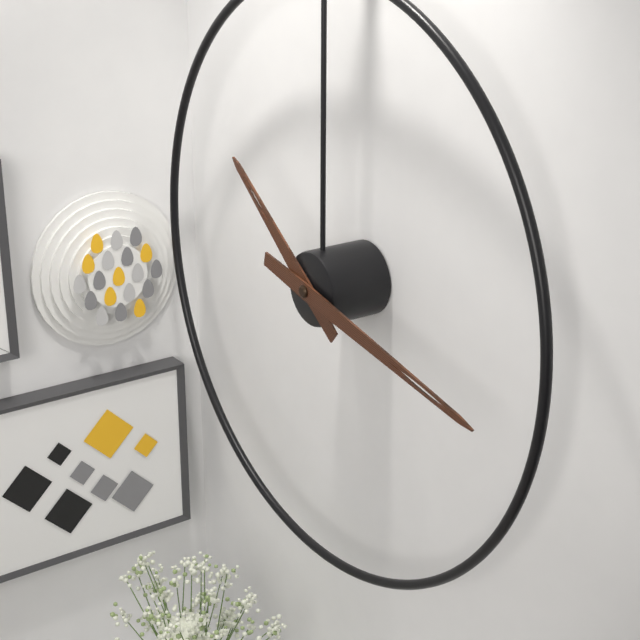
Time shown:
10.17
